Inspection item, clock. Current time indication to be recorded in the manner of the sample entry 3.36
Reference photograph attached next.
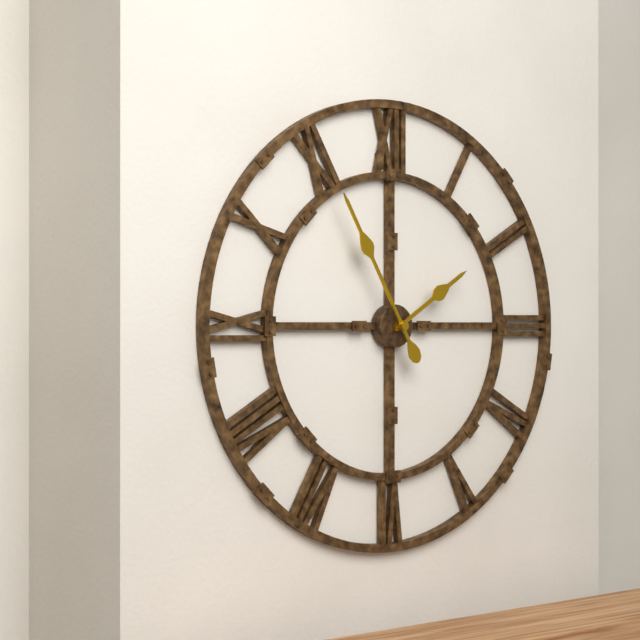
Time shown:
1.55
